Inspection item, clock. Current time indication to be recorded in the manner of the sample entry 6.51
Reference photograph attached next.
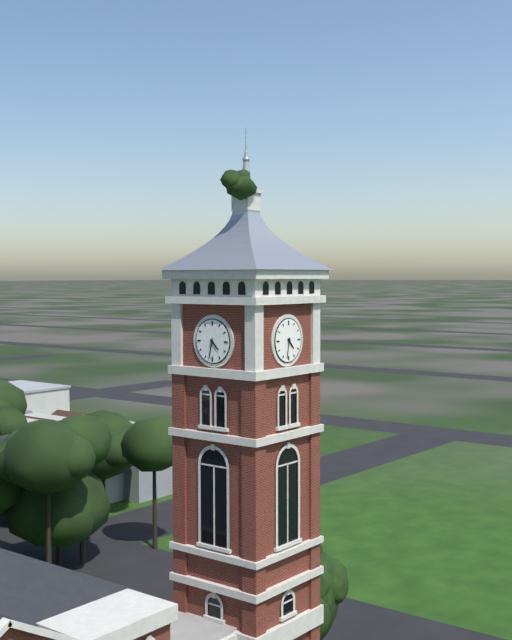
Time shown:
4.32
